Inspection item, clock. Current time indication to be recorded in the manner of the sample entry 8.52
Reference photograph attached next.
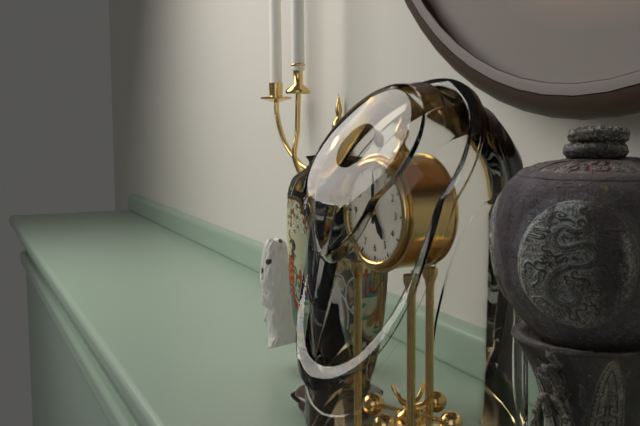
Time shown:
5.00
